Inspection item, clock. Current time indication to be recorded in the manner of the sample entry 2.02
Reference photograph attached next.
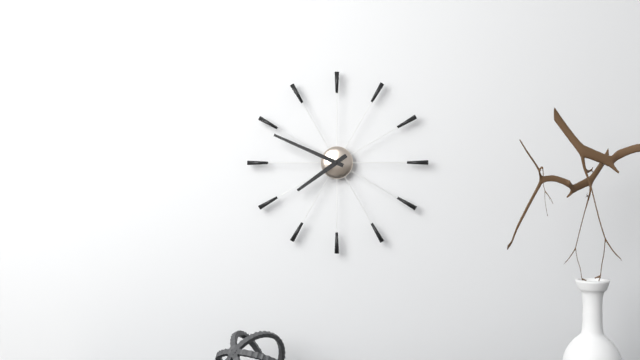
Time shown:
7.49
